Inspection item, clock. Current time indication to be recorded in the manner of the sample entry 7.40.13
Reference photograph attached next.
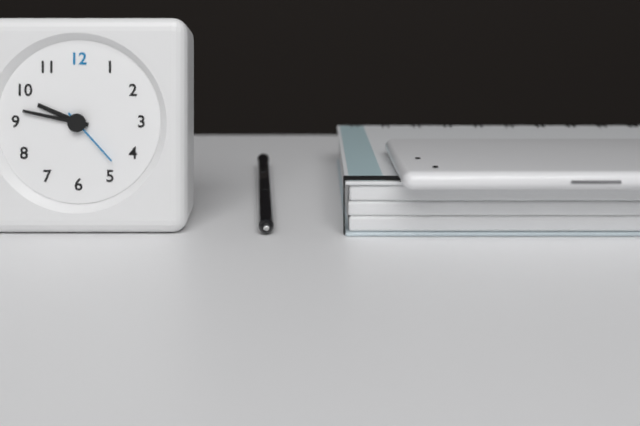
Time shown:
9.47.23
